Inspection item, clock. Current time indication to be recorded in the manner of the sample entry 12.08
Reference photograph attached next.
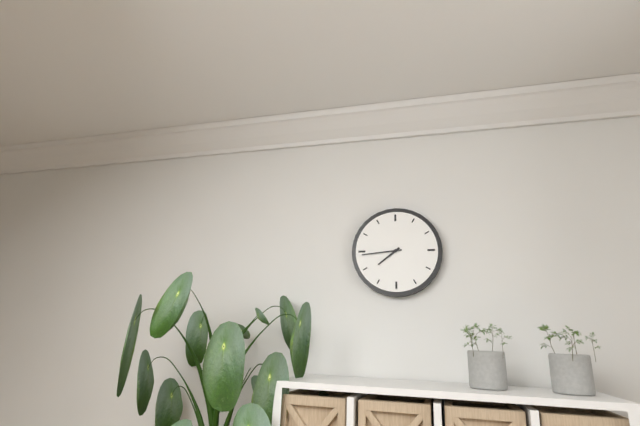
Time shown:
7.44
